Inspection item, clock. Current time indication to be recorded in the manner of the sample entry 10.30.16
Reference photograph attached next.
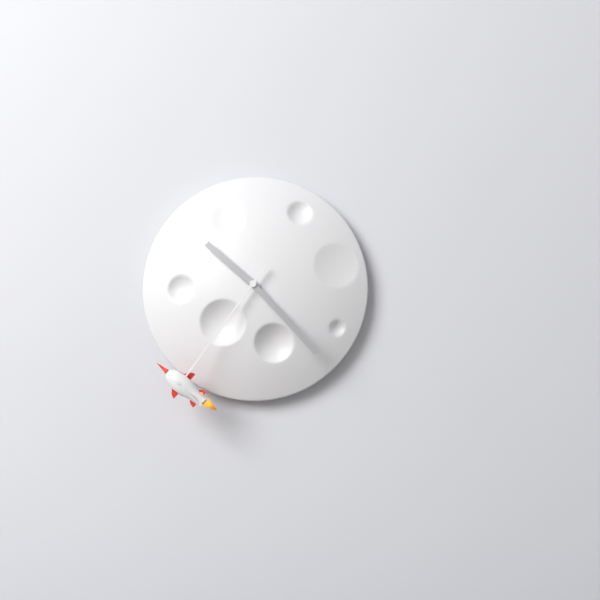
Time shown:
10.23.36
